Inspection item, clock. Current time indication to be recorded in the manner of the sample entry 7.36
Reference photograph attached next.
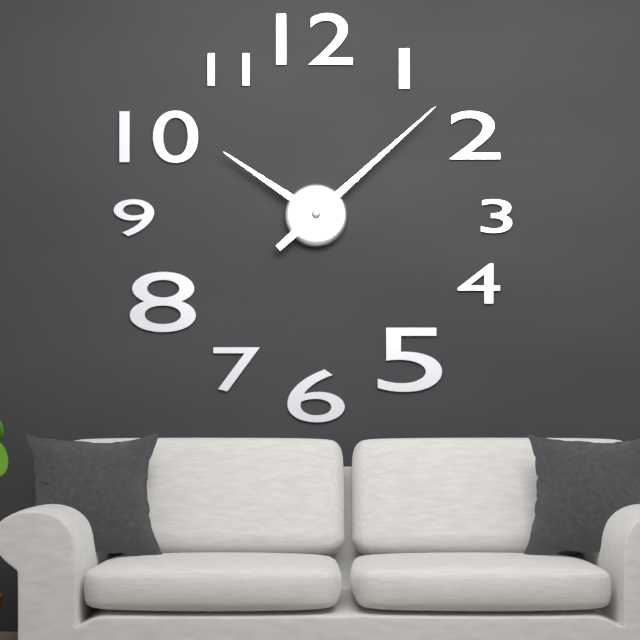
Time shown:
10.08
